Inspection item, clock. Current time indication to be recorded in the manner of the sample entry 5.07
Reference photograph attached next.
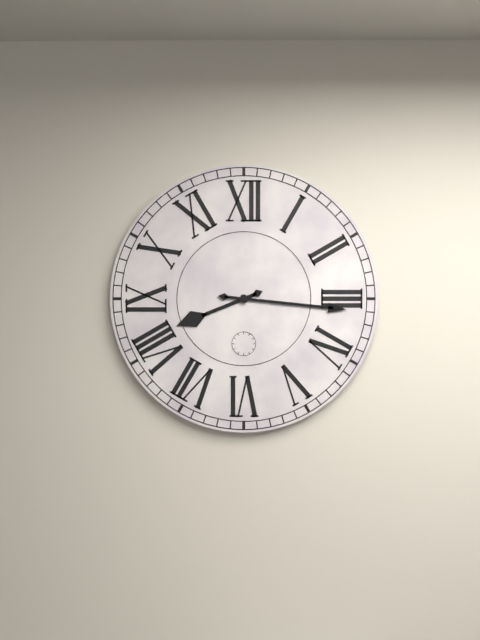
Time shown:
8.16
